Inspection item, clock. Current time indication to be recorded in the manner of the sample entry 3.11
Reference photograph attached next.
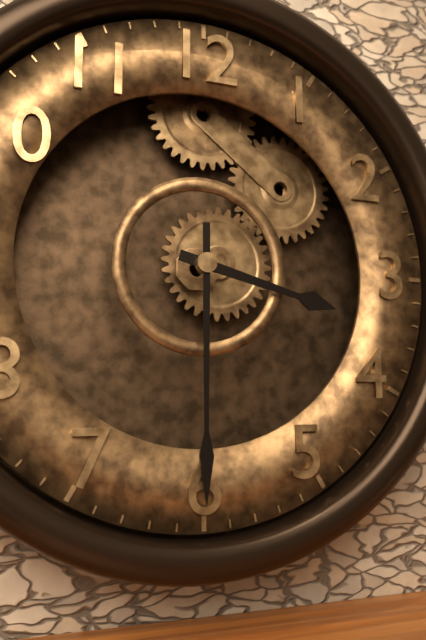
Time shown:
3.30
